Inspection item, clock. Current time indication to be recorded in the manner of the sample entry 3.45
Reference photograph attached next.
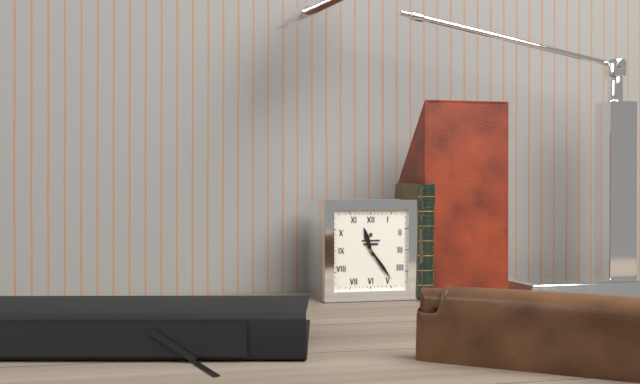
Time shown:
11.24
